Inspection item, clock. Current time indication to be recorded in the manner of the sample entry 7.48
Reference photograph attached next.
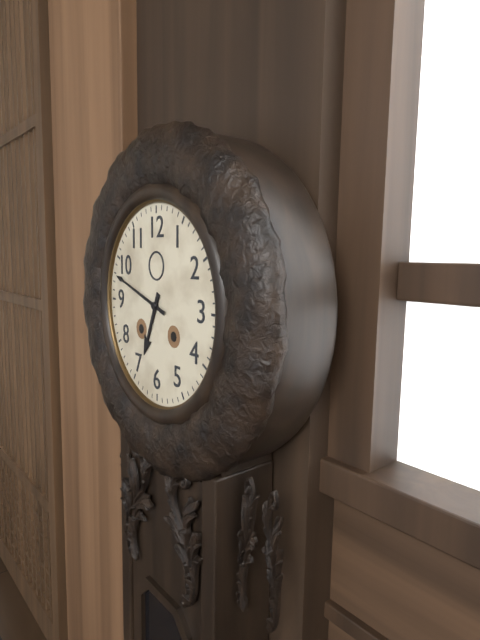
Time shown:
6.48
